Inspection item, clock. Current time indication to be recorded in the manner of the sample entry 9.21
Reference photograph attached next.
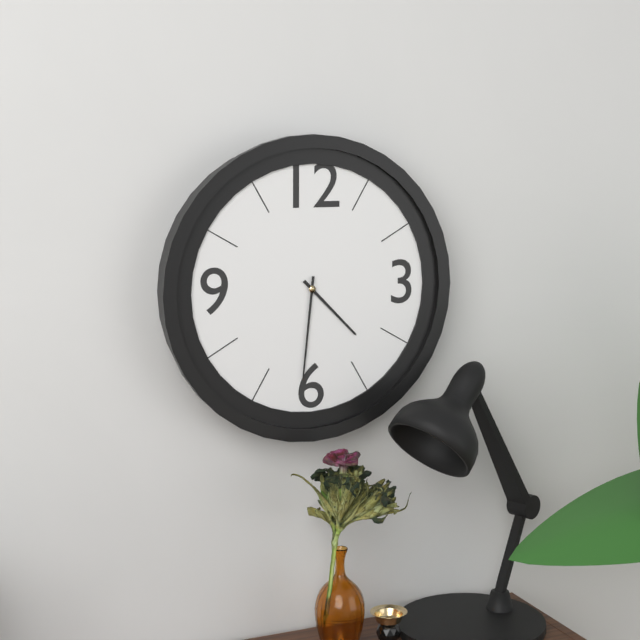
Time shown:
4.31
